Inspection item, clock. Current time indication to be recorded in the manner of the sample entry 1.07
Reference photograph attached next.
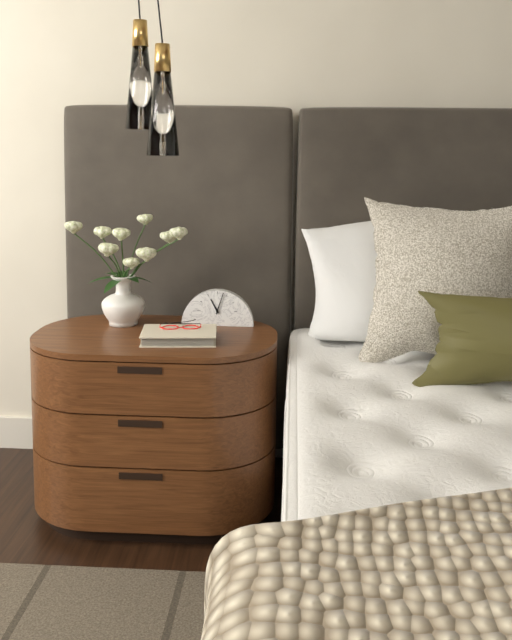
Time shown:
11.03
